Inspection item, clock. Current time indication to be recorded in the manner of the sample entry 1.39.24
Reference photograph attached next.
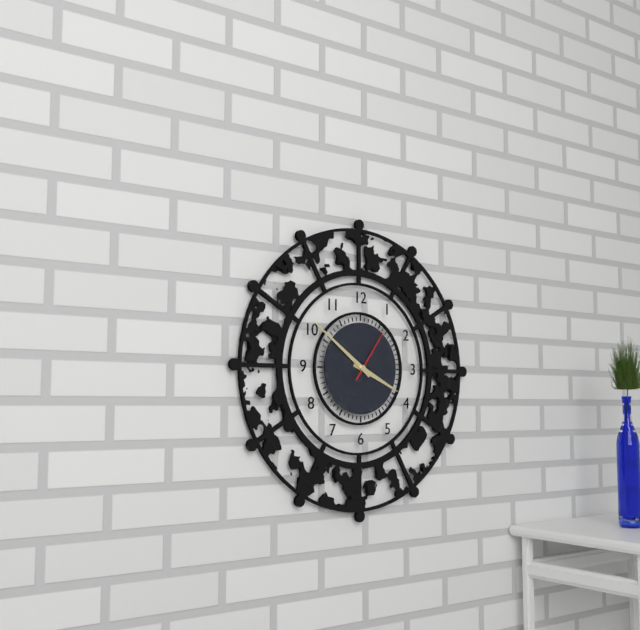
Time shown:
3.51.06
